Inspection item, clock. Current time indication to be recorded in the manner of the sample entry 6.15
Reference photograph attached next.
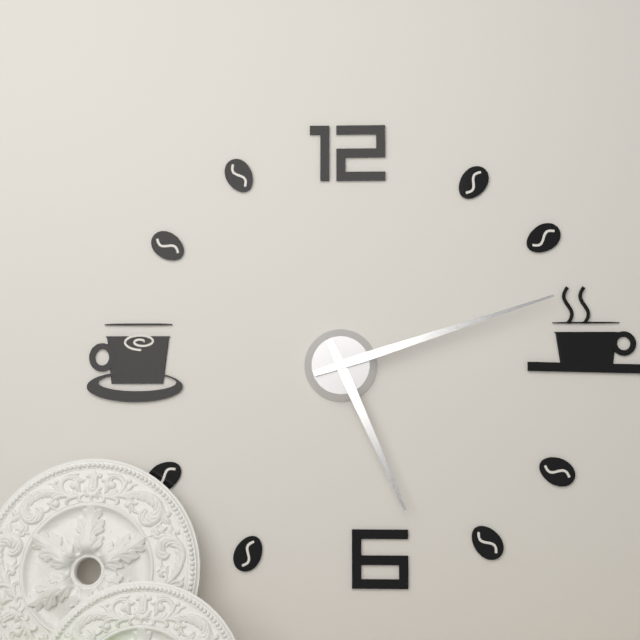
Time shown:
5.12
